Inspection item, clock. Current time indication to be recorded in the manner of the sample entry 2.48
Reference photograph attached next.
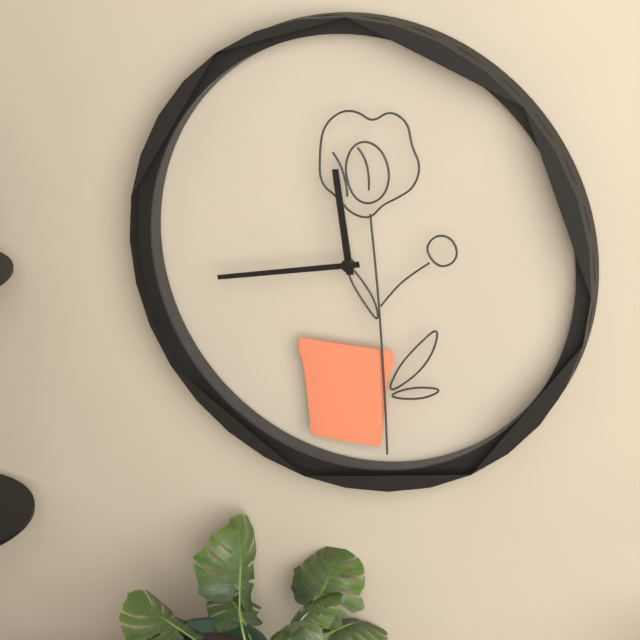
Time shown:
11.43
